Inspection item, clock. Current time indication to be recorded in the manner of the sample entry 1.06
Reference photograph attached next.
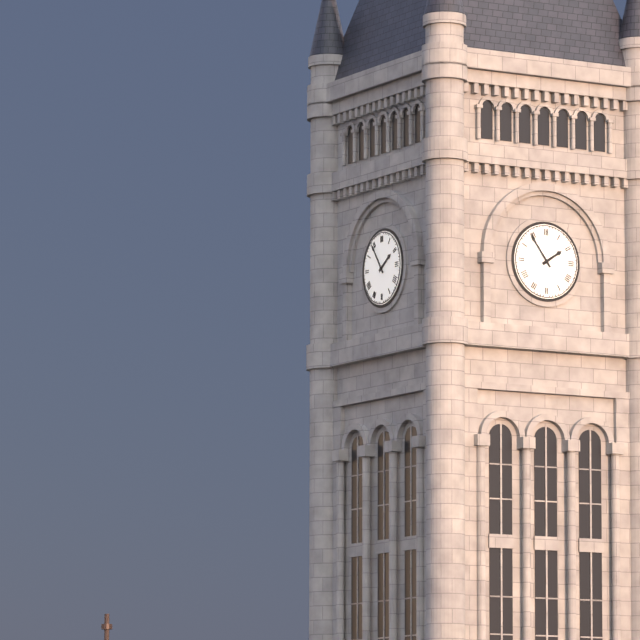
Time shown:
1.54
